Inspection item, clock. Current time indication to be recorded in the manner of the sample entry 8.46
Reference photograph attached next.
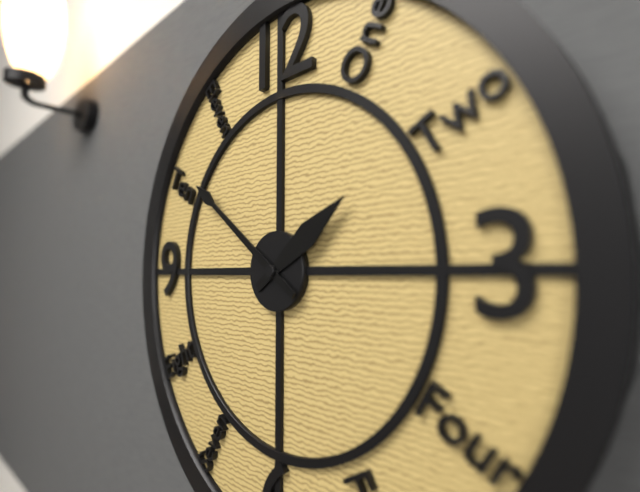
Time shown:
1.51
